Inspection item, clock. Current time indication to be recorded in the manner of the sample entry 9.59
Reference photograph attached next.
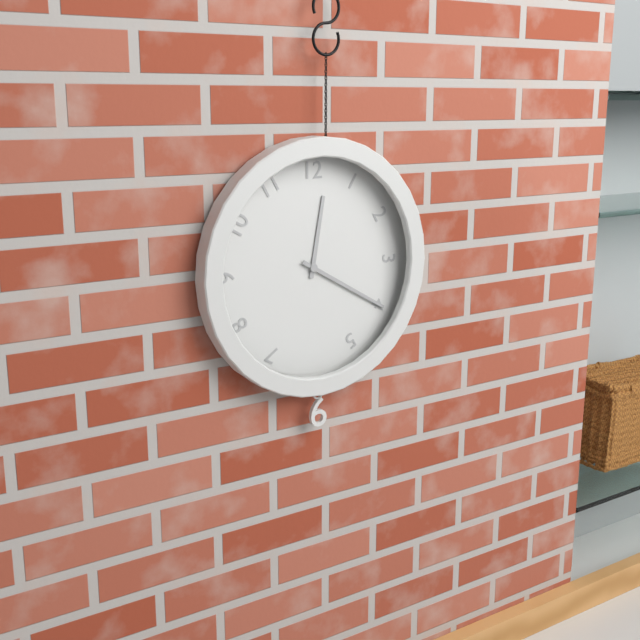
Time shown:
12.20
